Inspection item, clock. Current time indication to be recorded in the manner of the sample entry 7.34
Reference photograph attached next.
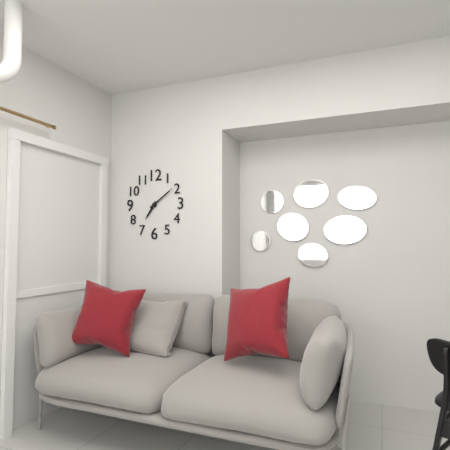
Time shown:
7.09
